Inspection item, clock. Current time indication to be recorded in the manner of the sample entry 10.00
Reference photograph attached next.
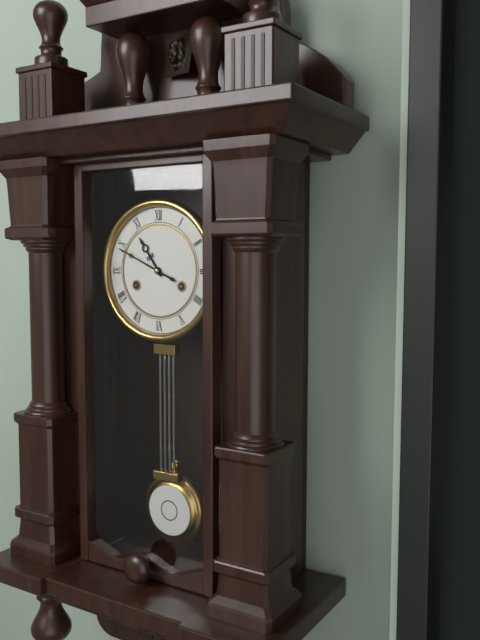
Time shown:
10.49
